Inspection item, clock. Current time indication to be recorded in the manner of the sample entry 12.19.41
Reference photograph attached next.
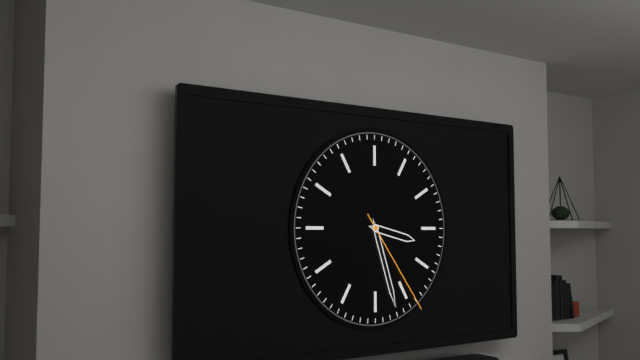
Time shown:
3.27.24
